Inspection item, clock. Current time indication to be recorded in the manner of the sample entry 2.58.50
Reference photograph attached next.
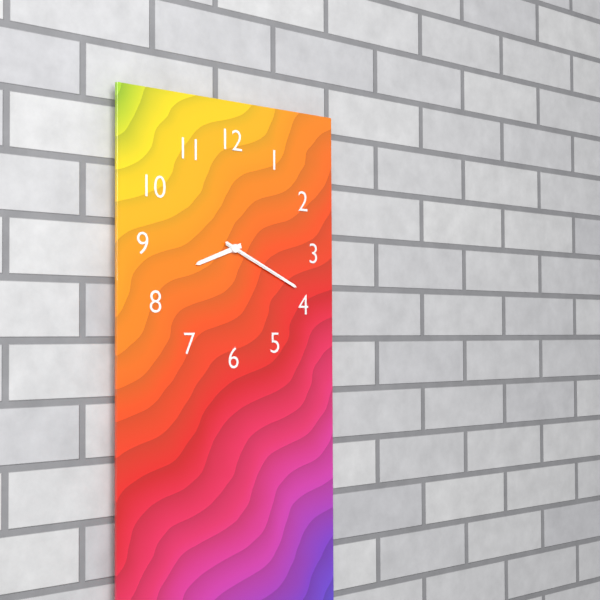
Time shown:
8.19.19
